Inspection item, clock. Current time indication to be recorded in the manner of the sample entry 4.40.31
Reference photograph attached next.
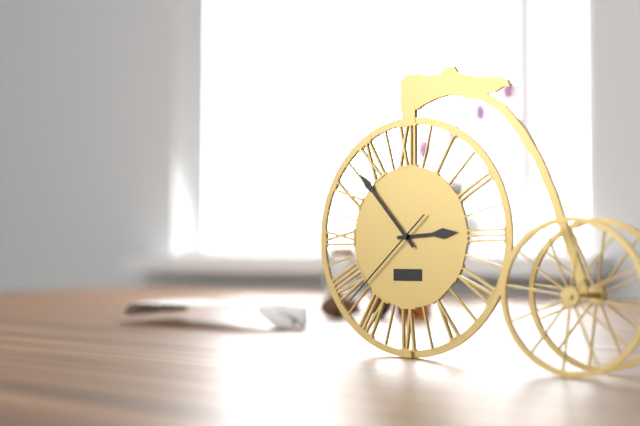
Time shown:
2.53.38
